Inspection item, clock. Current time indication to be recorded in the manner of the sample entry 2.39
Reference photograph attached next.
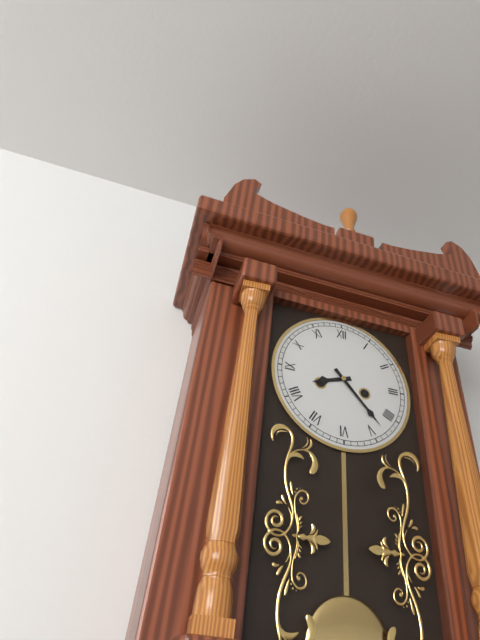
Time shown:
8.23
